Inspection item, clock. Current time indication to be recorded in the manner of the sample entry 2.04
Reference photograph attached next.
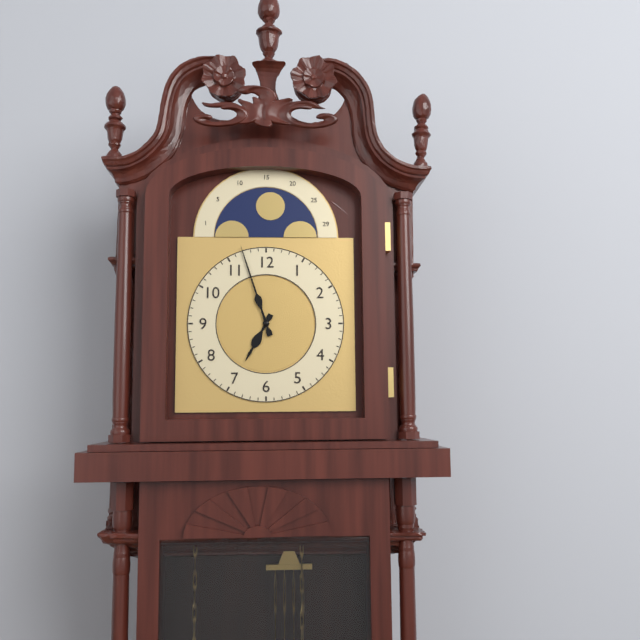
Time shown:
6.57
